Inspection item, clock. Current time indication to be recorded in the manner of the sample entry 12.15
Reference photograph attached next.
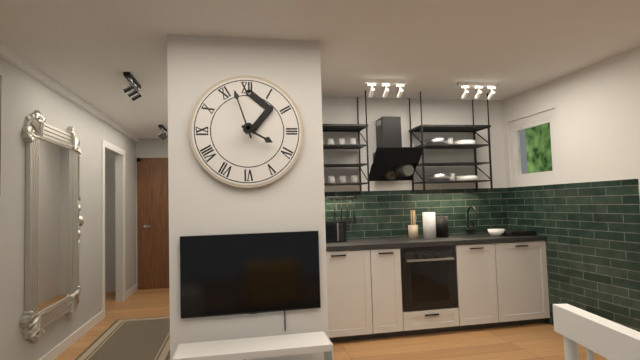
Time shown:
3.57
